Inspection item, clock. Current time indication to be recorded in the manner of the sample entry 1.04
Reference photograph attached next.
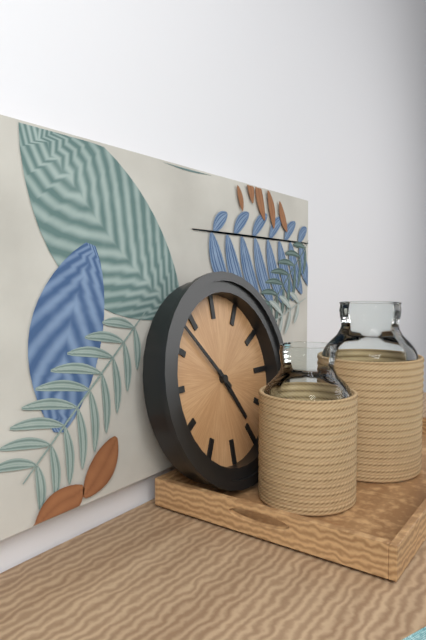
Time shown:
4.53
